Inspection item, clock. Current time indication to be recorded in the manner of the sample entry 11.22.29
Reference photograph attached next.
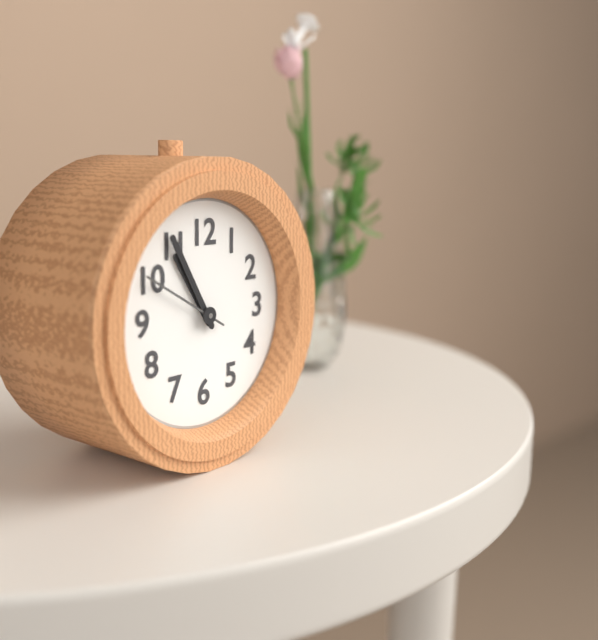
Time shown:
10.55.50
